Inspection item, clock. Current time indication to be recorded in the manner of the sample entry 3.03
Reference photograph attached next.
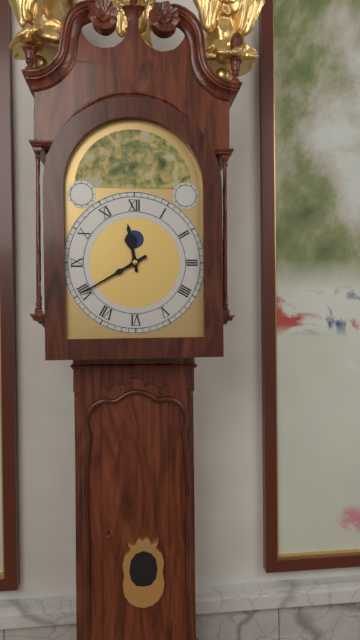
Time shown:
11.40
